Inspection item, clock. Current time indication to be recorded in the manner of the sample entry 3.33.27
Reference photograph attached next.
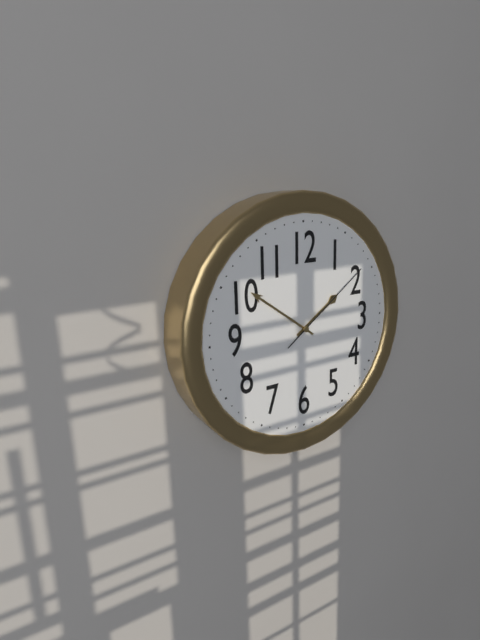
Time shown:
1.51.09
